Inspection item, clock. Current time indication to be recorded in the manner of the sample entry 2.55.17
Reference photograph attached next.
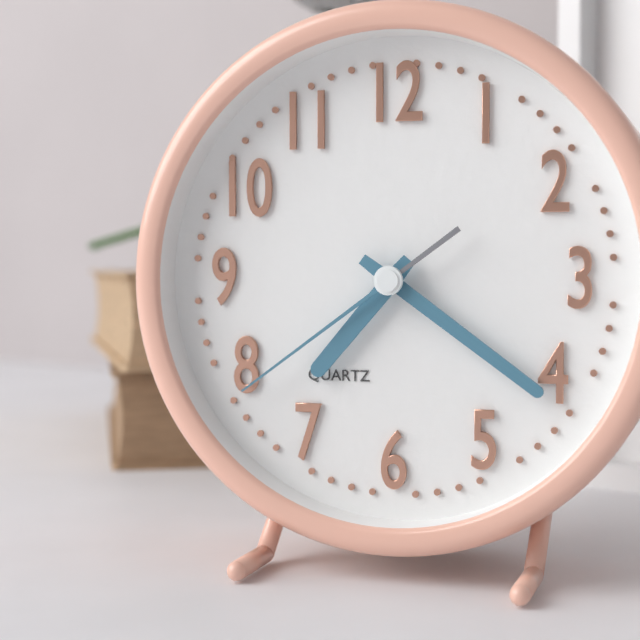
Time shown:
7.21.39
